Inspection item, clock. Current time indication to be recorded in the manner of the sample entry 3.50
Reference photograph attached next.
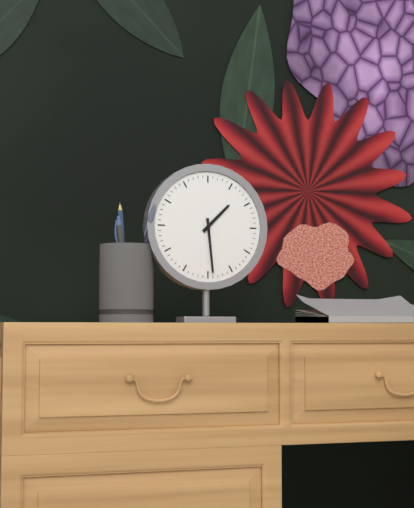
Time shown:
1.29
